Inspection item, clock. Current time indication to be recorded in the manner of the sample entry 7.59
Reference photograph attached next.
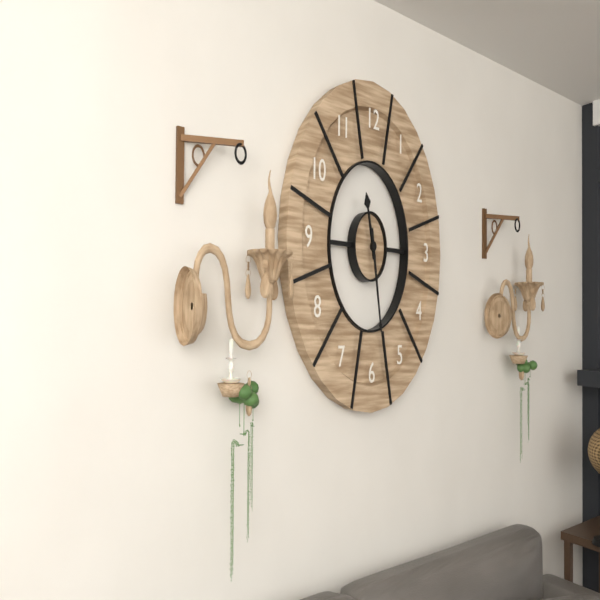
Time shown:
11.28
